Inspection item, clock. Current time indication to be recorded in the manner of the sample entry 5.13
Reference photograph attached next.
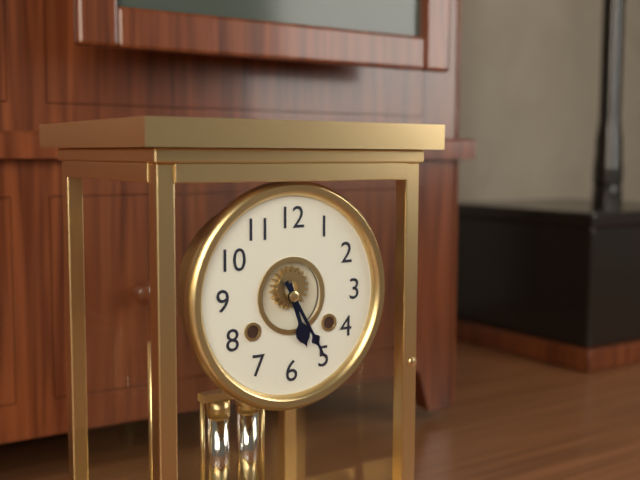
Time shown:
5.25
